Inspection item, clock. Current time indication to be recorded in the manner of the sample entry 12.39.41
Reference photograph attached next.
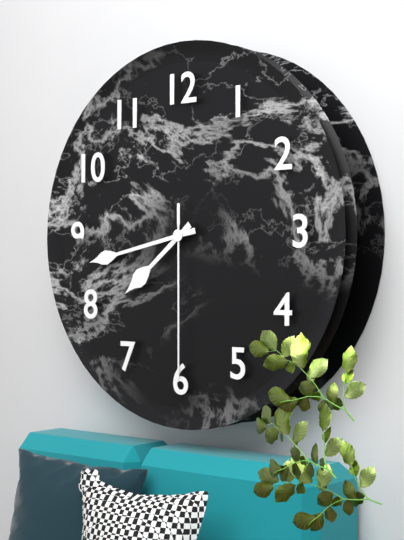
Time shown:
7.43.30
